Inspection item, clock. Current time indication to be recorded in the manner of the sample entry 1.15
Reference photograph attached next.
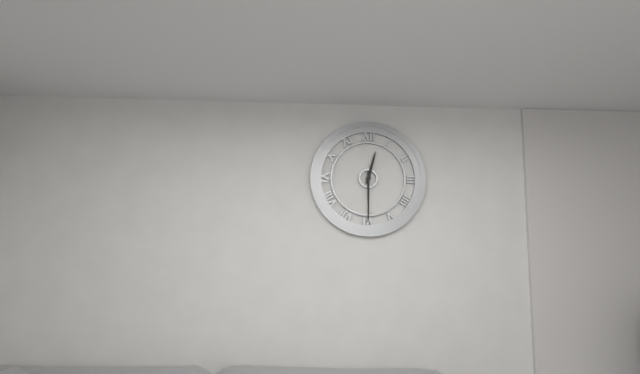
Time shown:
12.30
